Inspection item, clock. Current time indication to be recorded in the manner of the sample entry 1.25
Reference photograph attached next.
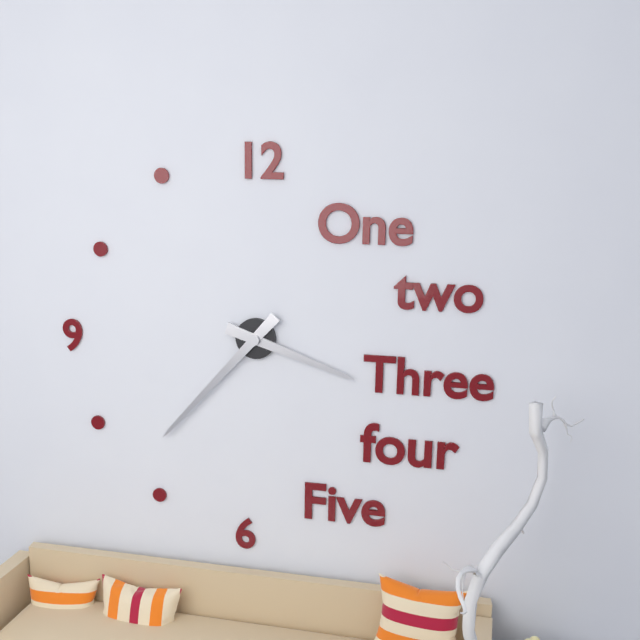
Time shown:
3.37
